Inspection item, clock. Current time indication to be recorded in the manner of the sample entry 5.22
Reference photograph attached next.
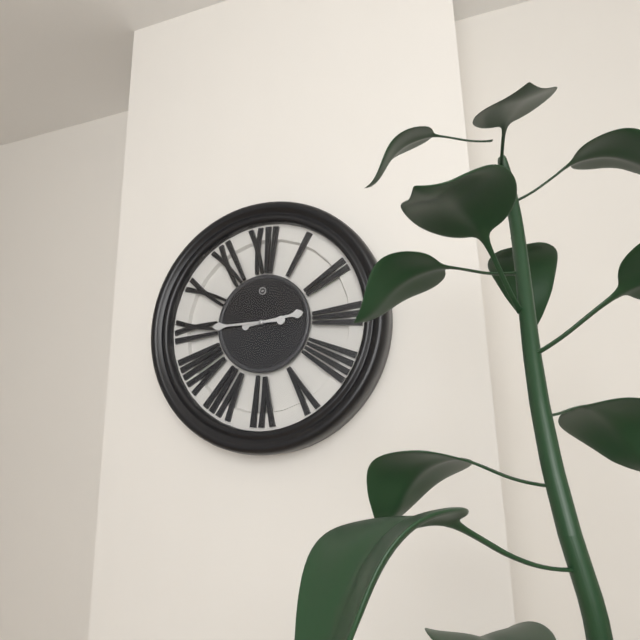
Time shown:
2.45
